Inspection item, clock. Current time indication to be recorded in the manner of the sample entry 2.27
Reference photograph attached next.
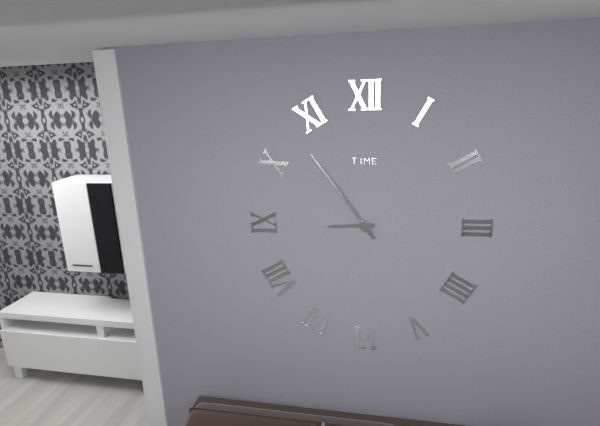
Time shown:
8.54
